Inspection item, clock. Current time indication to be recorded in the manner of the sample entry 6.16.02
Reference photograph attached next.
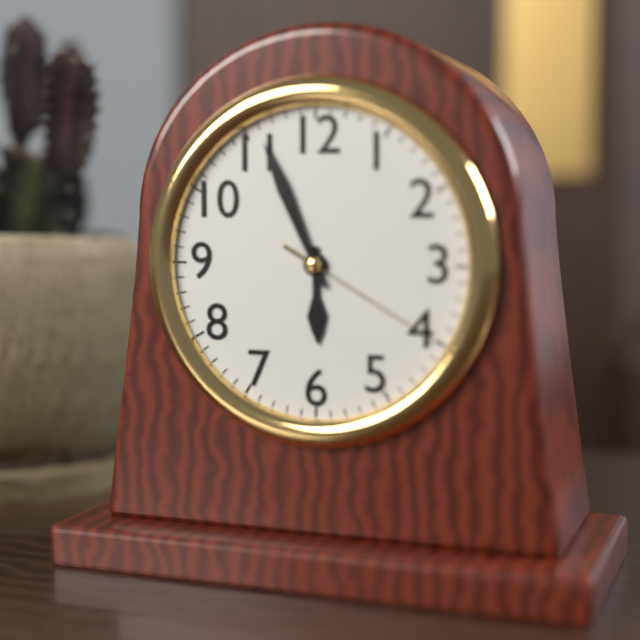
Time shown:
5.56.20
